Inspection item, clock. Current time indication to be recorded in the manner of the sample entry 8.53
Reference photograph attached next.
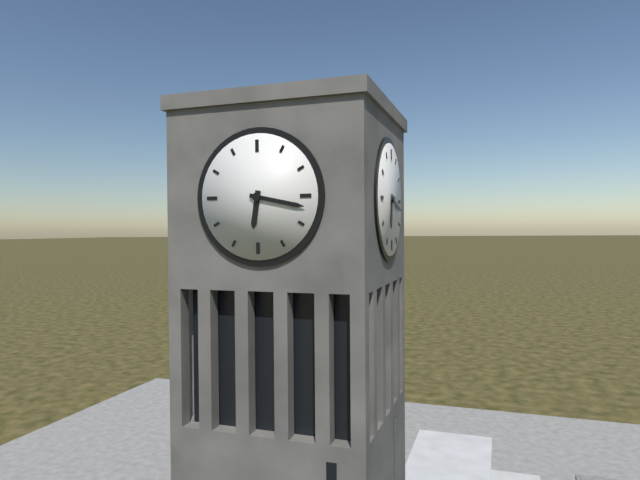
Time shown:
6.17
